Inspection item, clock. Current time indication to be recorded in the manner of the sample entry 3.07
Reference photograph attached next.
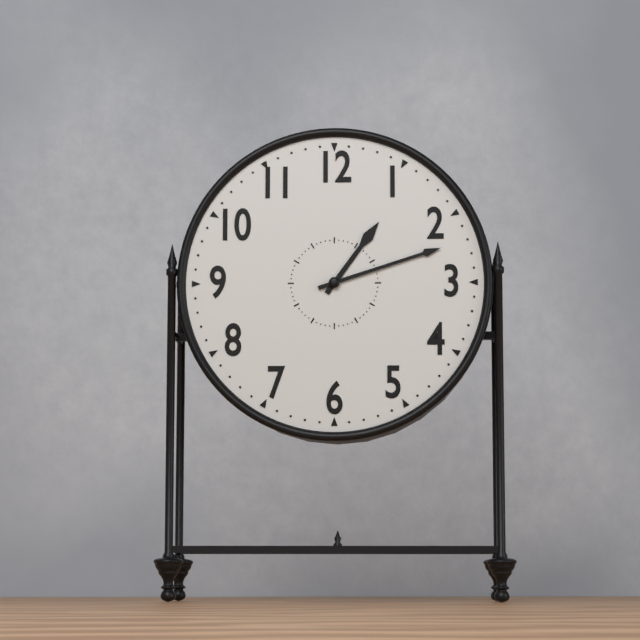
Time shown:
1.12
